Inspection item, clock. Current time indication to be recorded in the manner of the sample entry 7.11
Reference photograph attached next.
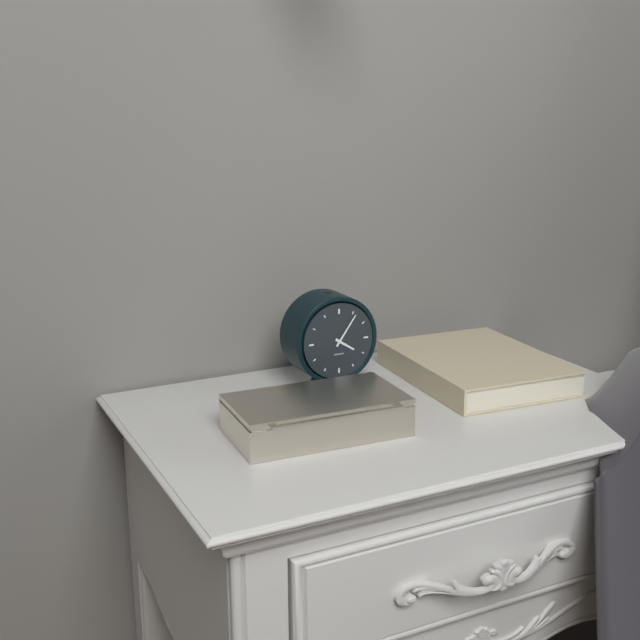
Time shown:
4.06
